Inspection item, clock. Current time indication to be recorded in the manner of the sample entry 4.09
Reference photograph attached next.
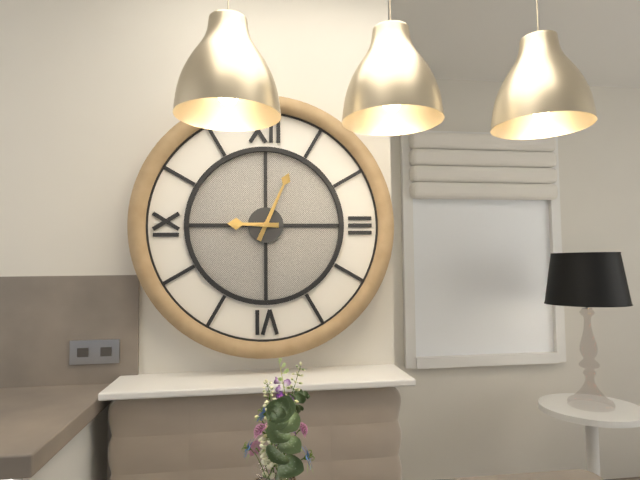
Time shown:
9.04
